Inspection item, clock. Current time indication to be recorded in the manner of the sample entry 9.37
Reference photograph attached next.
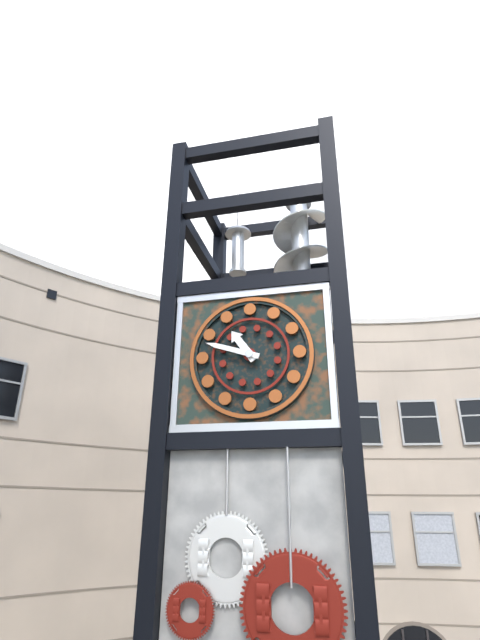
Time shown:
10.48
